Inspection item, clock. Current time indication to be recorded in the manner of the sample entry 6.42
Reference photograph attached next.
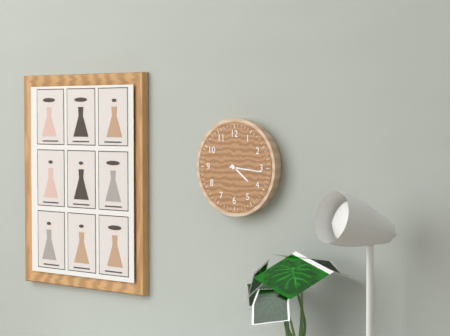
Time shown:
4.16
